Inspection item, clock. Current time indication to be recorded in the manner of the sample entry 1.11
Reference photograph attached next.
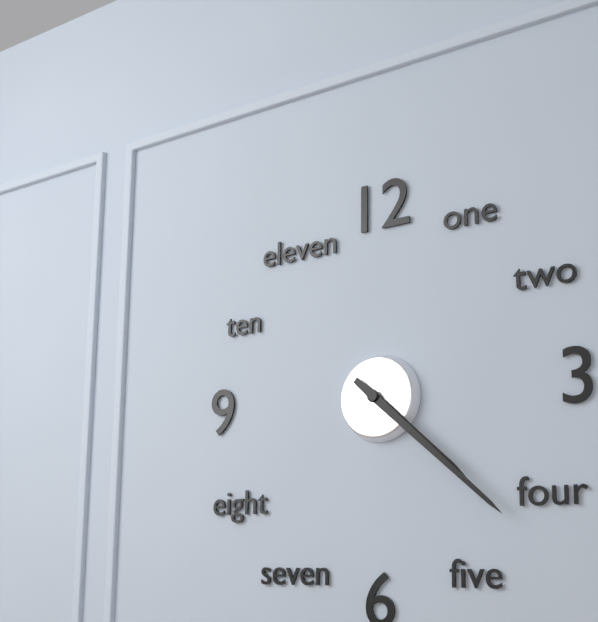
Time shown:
4.22
